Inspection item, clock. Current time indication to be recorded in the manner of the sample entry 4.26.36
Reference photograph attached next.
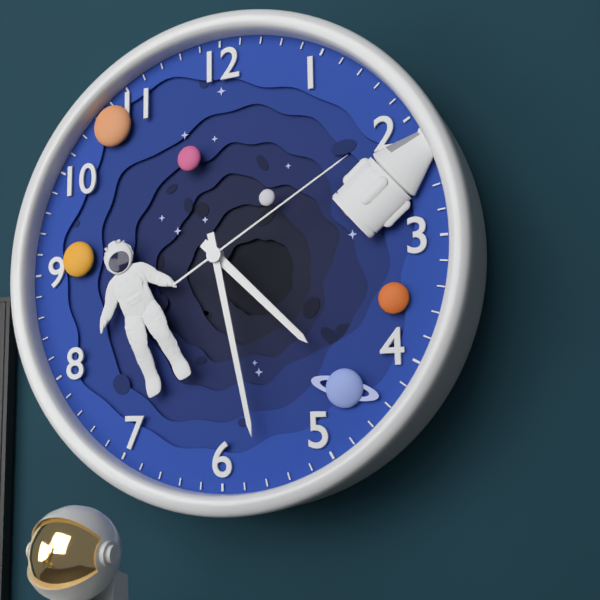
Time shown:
4.28.10
